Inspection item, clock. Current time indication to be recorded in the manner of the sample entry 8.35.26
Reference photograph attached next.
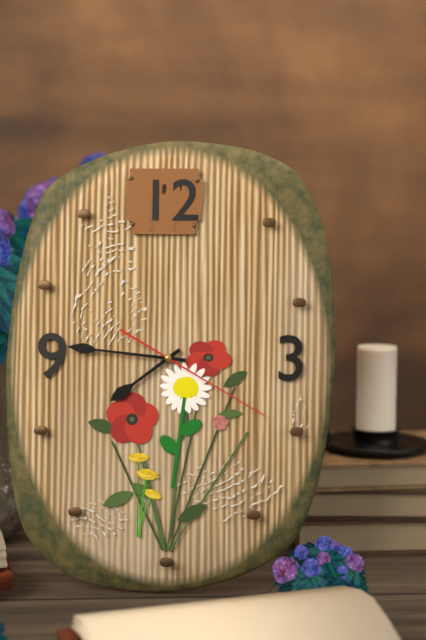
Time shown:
7.46.20
